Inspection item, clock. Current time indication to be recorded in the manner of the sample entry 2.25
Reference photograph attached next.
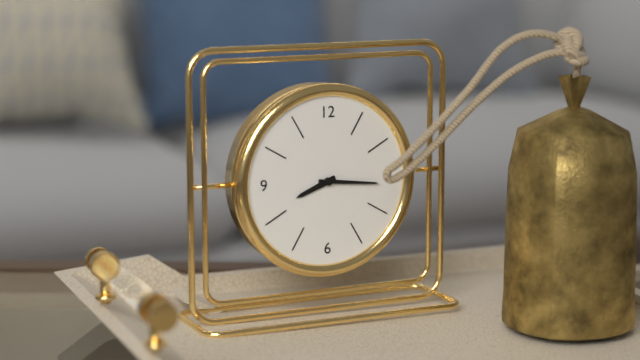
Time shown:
8.16
